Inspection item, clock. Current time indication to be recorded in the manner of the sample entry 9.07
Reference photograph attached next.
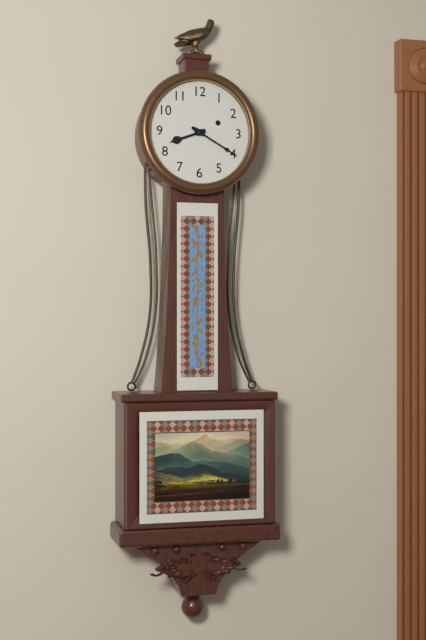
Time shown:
8.20
